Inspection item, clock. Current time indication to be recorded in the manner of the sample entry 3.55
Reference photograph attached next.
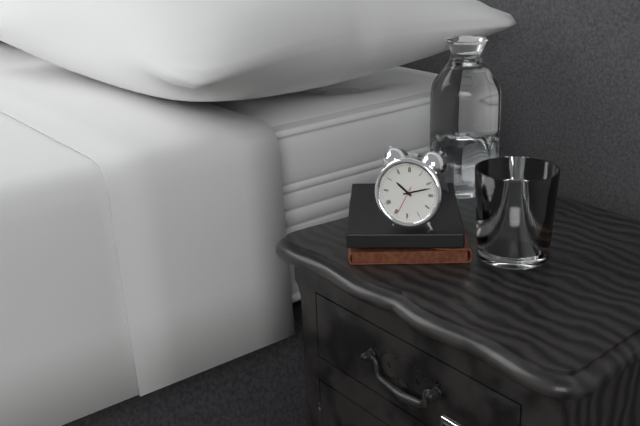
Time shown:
10.12
